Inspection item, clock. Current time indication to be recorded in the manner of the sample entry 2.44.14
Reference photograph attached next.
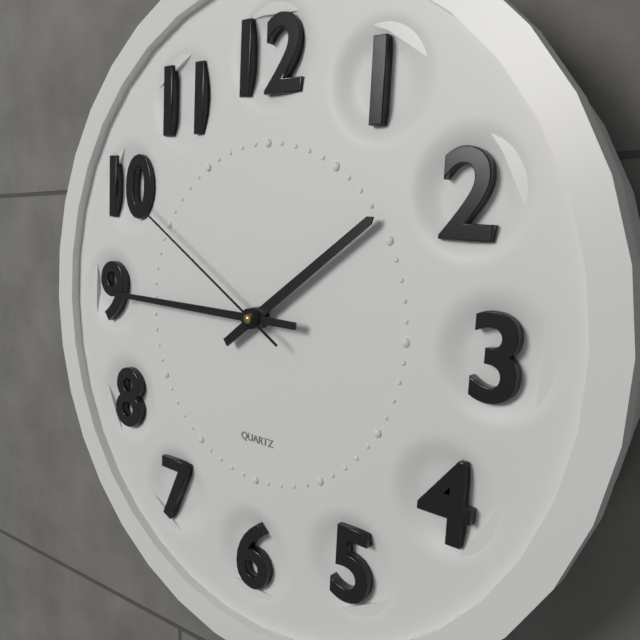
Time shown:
1.45.50
